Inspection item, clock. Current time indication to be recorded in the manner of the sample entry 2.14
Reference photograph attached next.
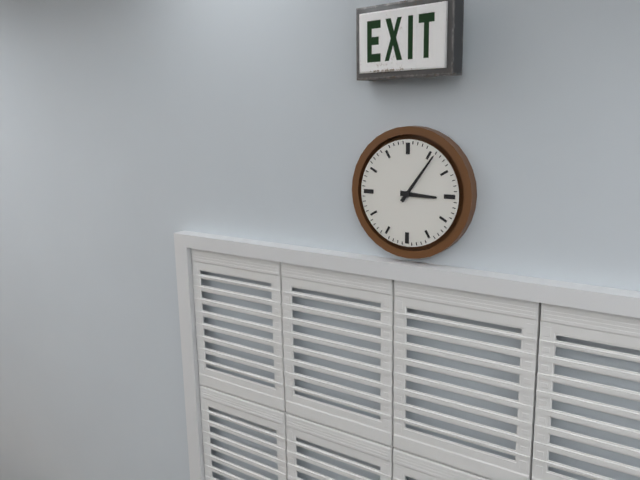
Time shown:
3.06
